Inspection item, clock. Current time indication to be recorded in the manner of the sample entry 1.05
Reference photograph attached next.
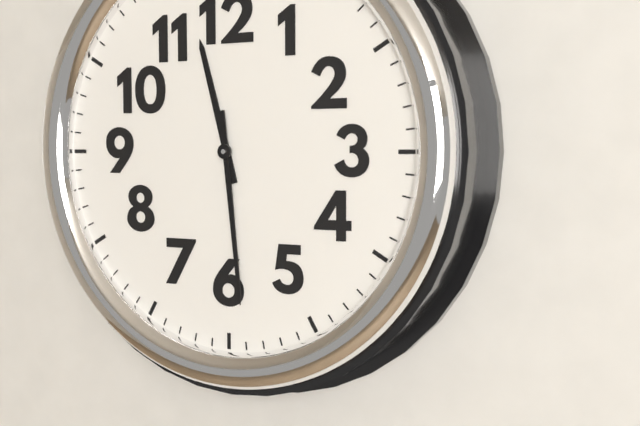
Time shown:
11.29
